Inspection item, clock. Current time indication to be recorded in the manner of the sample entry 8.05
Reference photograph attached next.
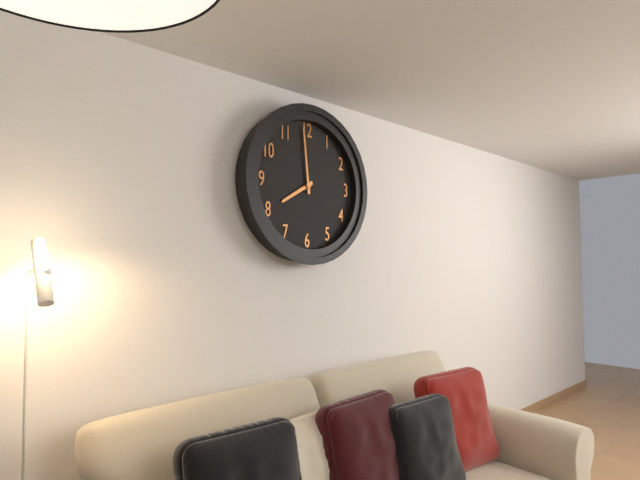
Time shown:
7.59
